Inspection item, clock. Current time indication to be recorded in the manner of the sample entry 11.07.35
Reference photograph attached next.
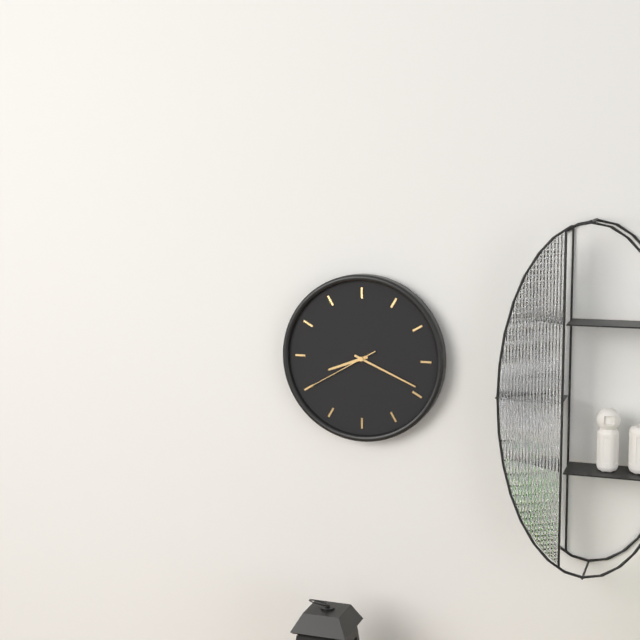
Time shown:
8.19.40
